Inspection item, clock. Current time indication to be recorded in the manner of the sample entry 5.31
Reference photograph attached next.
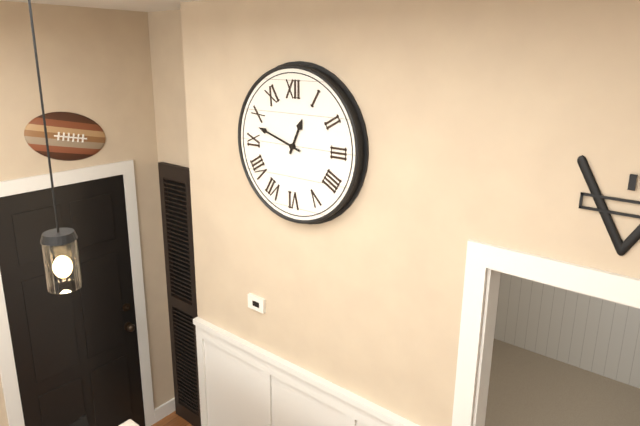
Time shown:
12.48
